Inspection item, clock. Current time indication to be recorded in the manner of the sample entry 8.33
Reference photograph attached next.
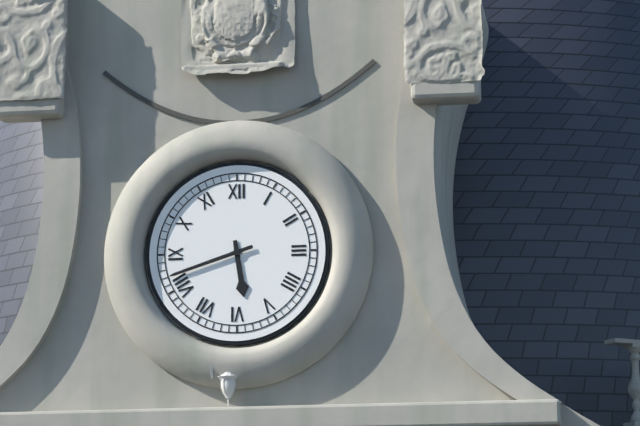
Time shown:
5.42
